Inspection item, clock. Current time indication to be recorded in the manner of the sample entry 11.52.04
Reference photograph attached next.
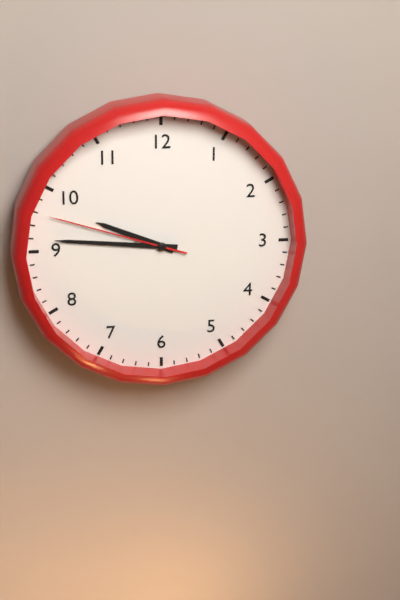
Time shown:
9.46.48
